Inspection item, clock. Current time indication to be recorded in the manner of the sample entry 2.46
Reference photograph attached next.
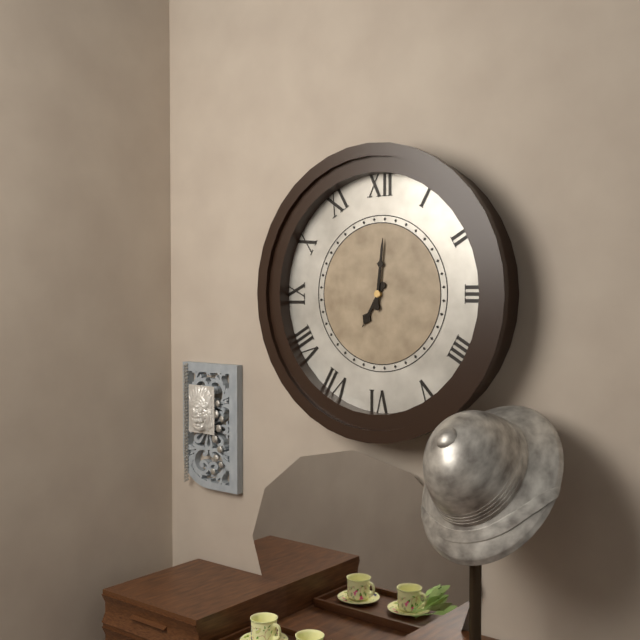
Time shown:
7.01
